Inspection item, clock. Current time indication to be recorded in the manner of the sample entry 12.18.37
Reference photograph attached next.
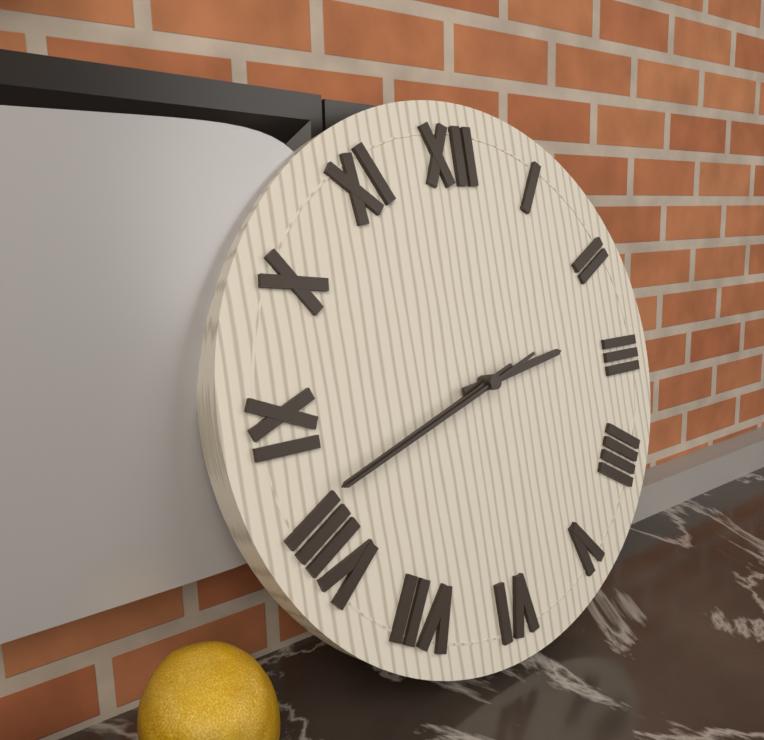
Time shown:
2.42.42
